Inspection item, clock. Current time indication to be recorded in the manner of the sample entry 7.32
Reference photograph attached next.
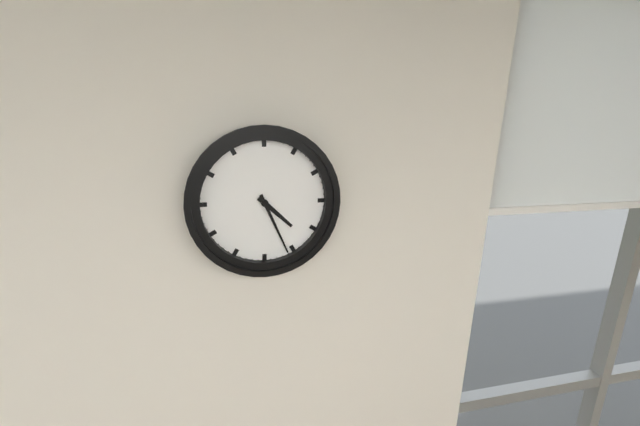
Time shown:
4.26
